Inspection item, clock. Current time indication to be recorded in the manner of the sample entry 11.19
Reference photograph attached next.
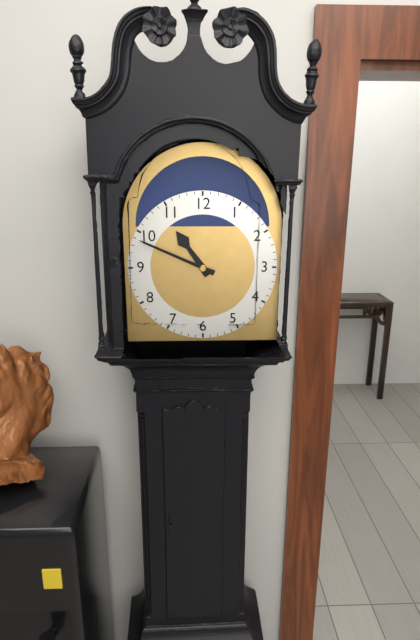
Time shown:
10.49
